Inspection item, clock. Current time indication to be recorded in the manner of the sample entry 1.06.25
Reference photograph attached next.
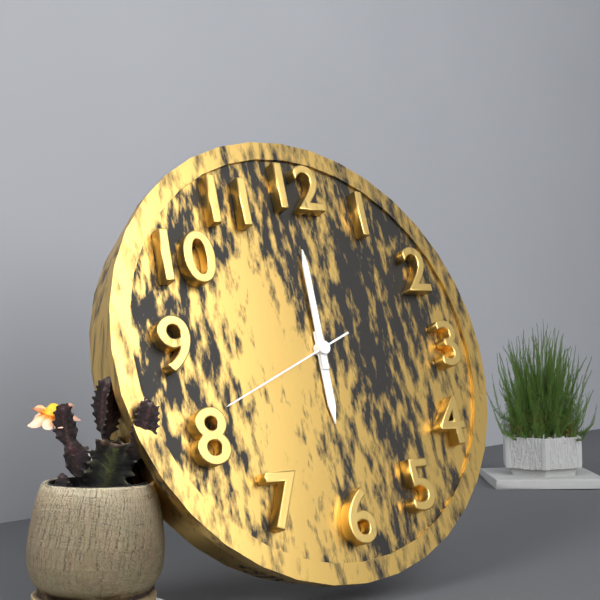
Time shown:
6.00.41
